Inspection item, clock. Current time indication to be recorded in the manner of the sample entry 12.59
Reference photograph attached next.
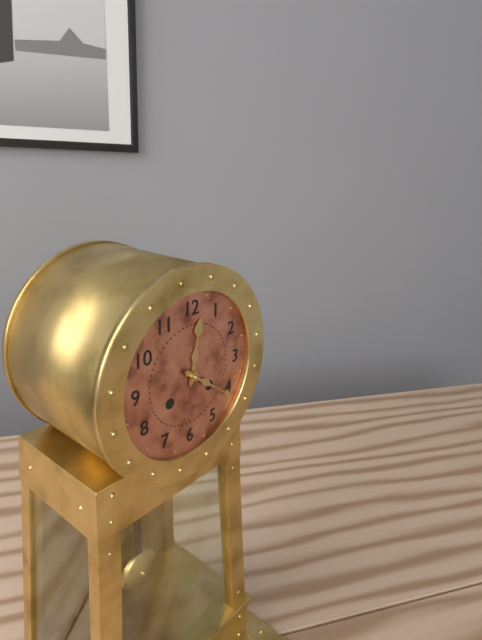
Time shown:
12.21
